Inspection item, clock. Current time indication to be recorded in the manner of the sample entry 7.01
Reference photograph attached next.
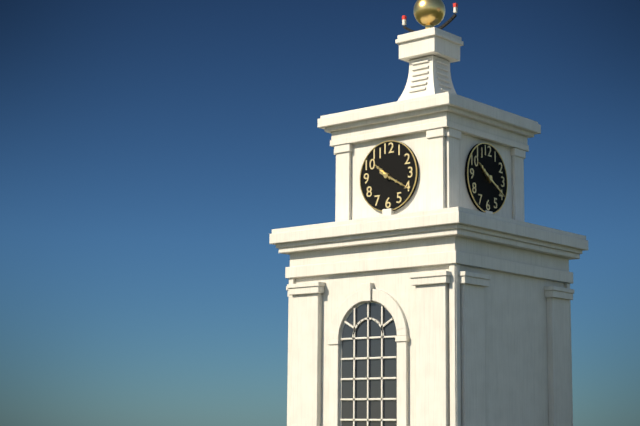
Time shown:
10.20
